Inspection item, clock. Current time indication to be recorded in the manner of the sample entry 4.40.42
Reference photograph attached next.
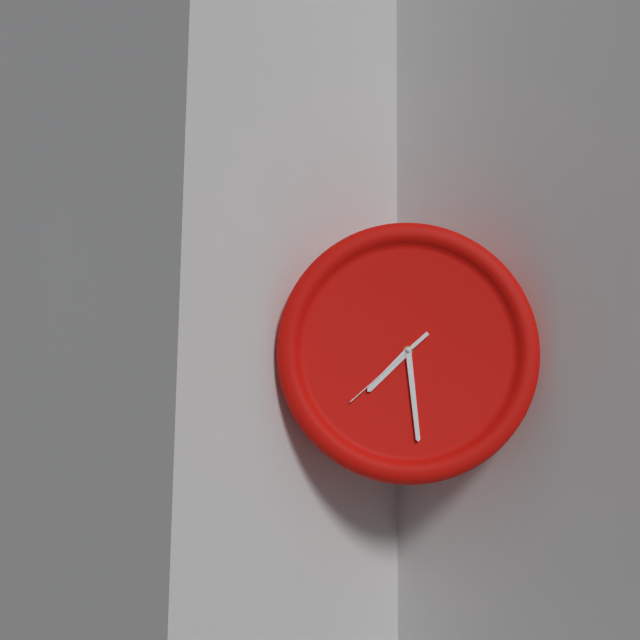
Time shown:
7.29.38
